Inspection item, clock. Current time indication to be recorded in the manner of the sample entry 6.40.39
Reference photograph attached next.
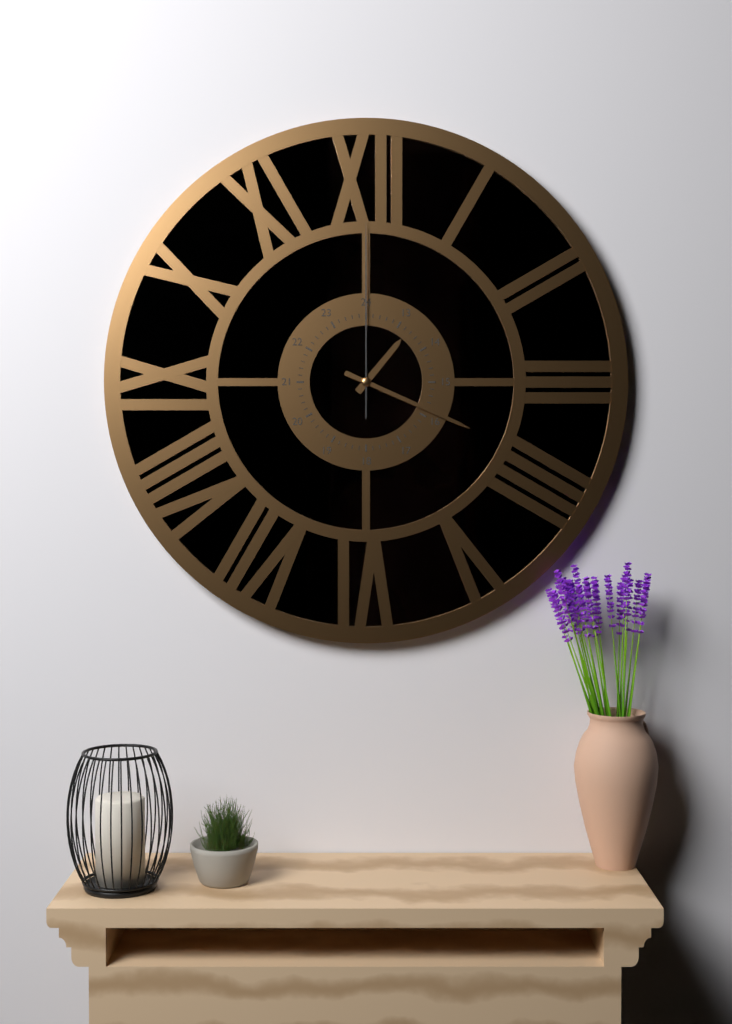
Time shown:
1.19.00
